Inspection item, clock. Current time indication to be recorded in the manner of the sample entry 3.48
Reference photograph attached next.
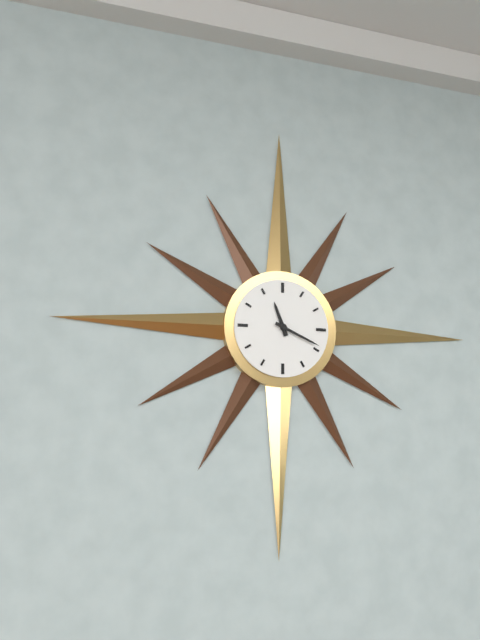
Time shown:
11.19
